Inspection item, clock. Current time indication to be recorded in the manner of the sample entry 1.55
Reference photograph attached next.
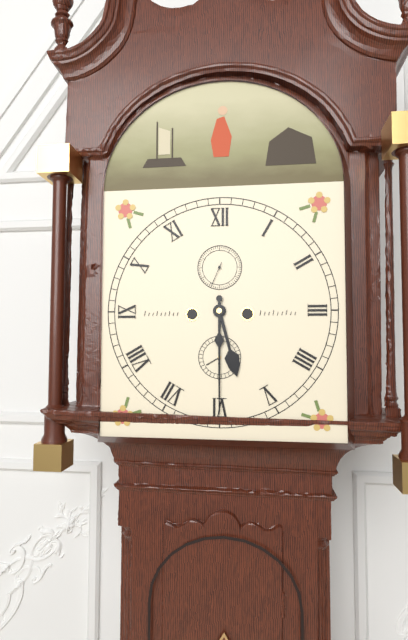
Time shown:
5.30
